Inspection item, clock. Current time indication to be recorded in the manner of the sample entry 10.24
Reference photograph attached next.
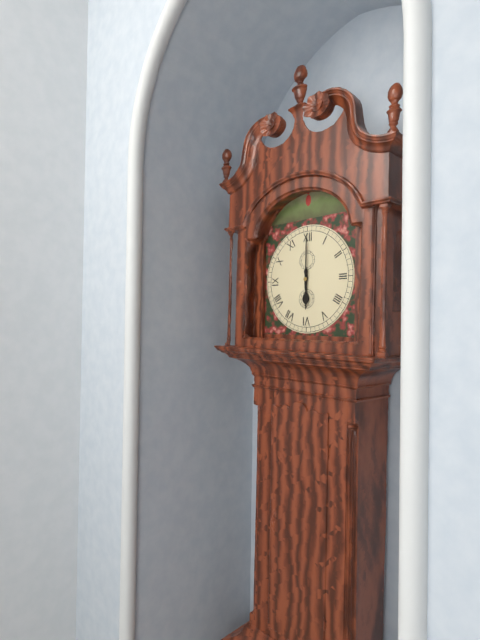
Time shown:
6.00
